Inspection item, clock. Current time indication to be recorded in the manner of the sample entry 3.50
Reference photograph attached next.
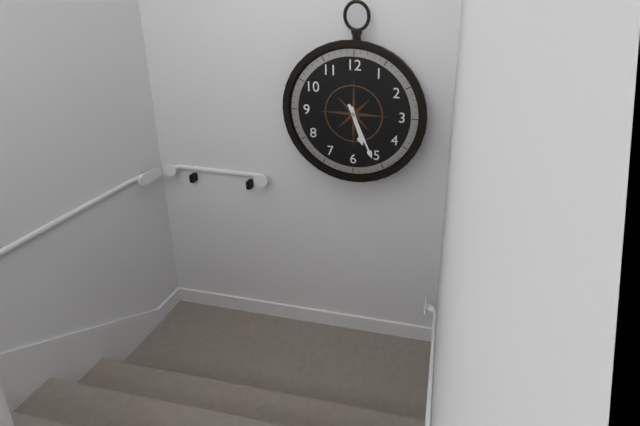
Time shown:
5.26
